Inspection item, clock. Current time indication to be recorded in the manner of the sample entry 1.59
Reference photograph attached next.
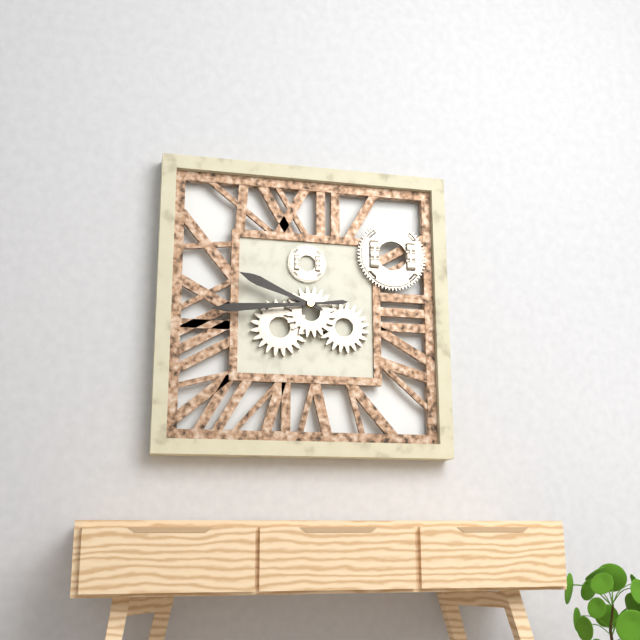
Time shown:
9.44
